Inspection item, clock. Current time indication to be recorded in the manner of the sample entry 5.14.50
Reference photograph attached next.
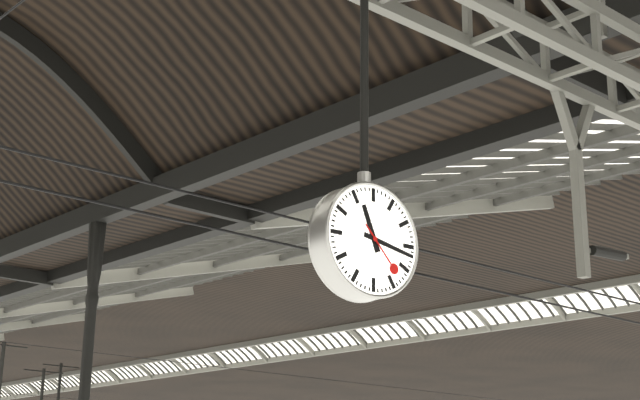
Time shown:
11.17.23
